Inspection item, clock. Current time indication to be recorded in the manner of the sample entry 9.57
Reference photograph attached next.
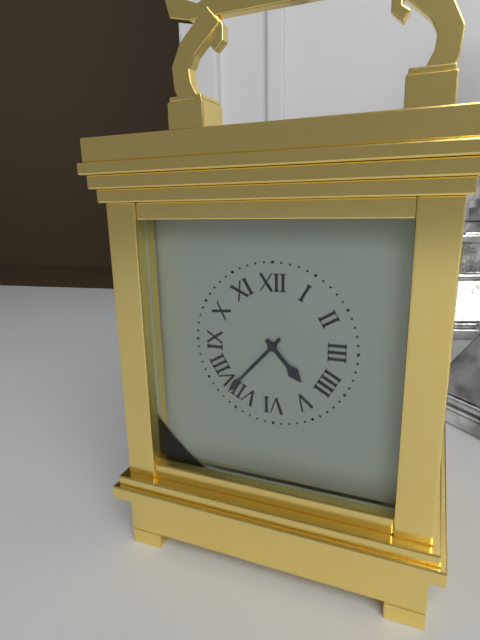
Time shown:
4.37
